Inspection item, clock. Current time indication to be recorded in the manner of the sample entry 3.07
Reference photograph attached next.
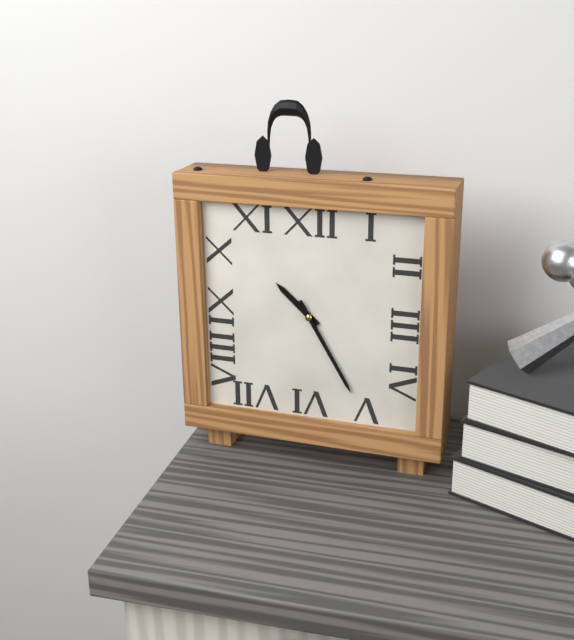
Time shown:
10.25
